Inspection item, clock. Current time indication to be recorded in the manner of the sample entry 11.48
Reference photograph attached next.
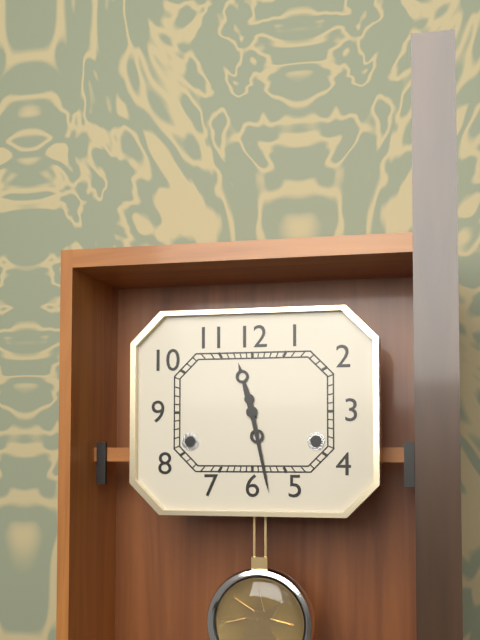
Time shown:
11.28
